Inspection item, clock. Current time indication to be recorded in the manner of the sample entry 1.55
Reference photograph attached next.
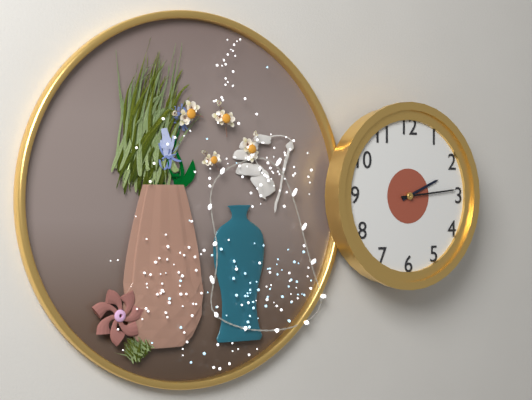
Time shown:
2.14
